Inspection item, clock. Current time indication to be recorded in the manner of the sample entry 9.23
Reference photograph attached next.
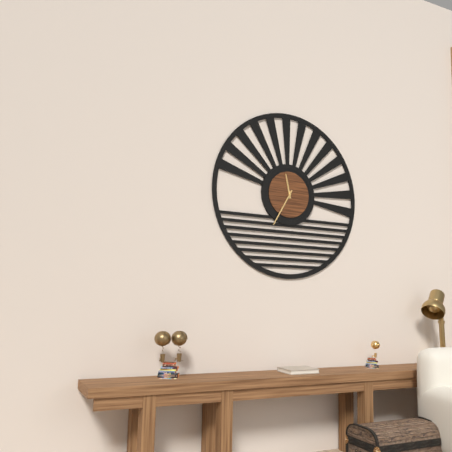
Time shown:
11.35
